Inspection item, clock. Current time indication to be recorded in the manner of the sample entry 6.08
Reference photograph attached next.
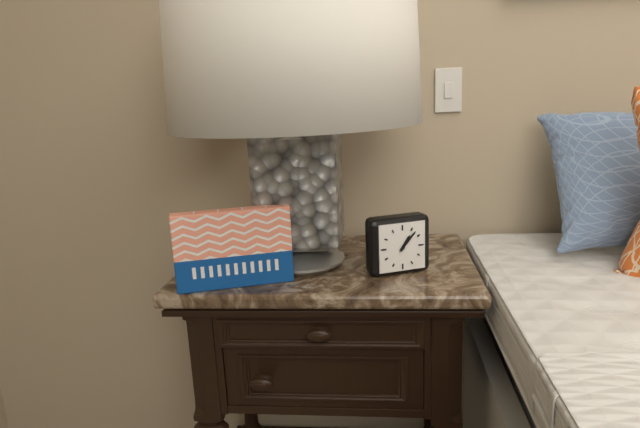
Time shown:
1.07
